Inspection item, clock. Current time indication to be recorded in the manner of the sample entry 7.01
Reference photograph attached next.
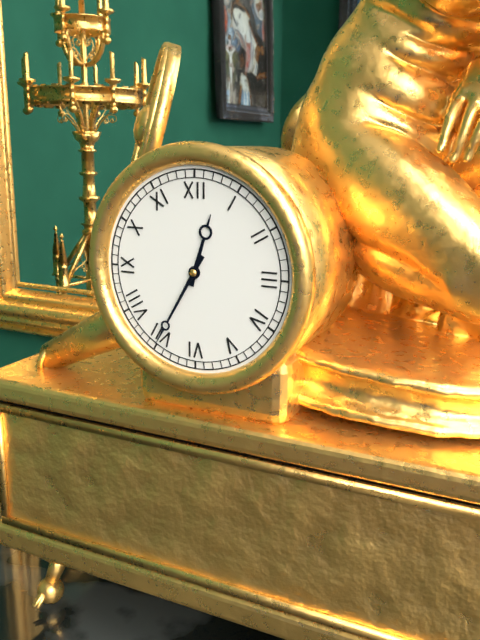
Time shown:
12.35
